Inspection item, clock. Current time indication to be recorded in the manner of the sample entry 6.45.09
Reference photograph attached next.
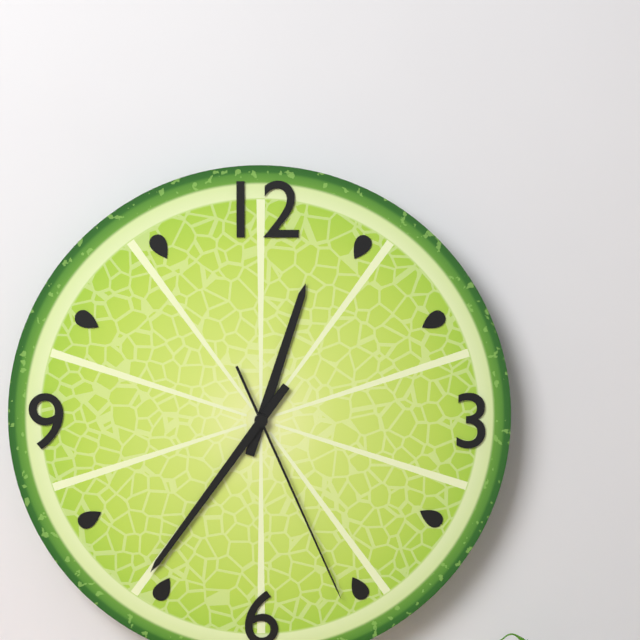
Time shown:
12.36.26
